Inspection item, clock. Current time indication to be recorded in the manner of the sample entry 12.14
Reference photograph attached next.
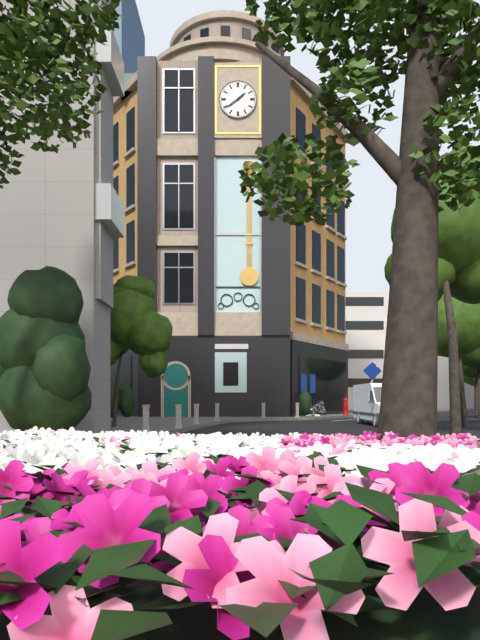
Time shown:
1.39
